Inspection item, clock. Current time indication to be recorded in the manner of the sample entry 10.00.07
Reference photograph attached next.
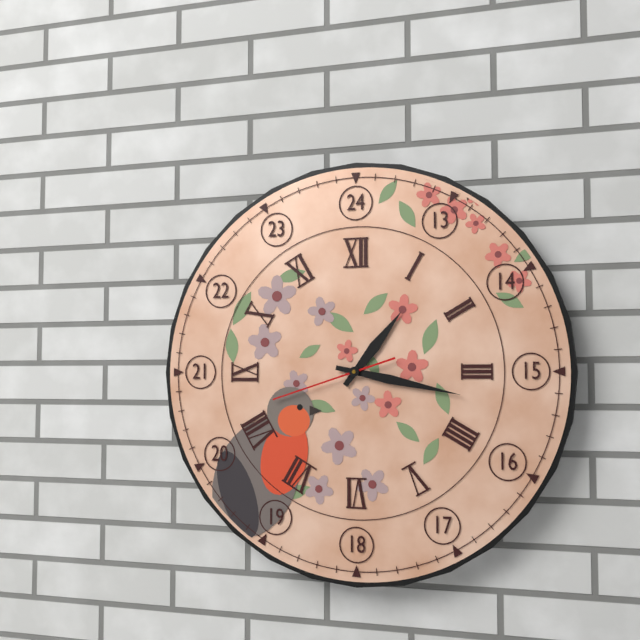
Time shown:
1.17.42
